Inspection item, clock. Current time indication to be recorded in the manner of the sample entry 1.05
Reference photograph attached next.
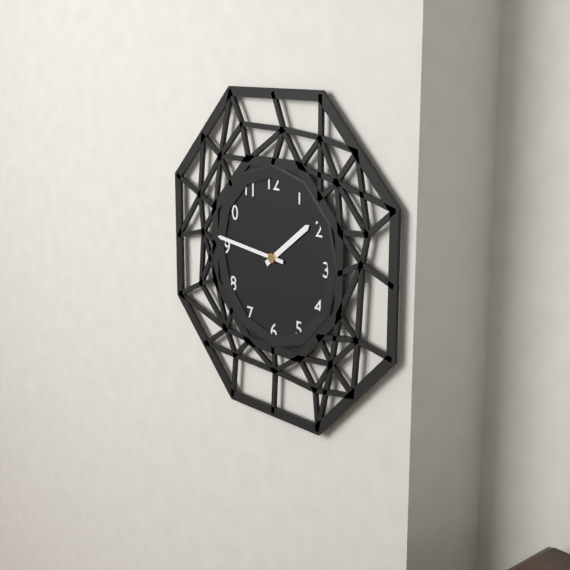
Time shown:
1.46
